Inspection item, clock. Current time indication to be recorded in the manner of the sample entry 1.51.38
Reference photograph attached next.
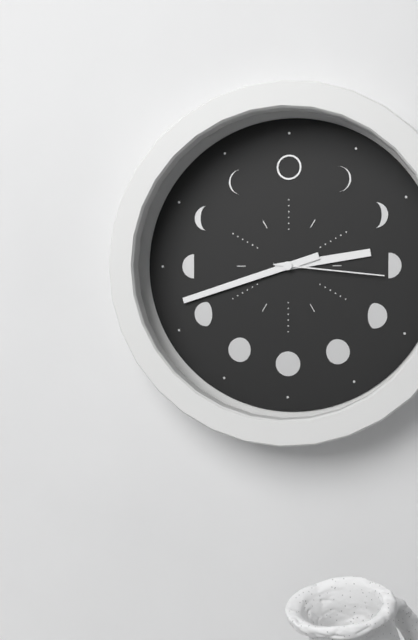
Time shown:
2.42.16
